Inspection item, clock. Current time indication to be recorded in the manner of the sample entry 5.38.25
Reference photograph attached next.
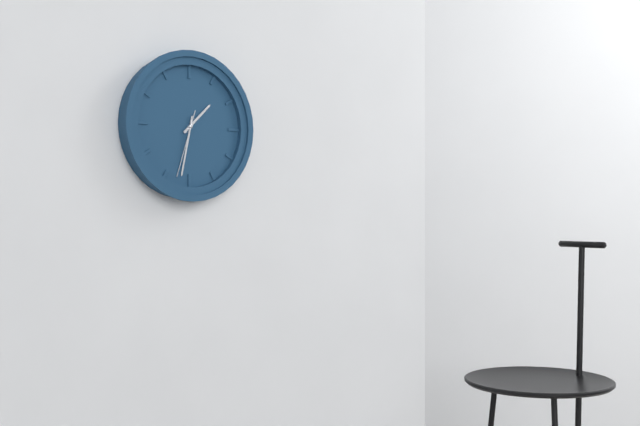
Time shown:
1.32.33
